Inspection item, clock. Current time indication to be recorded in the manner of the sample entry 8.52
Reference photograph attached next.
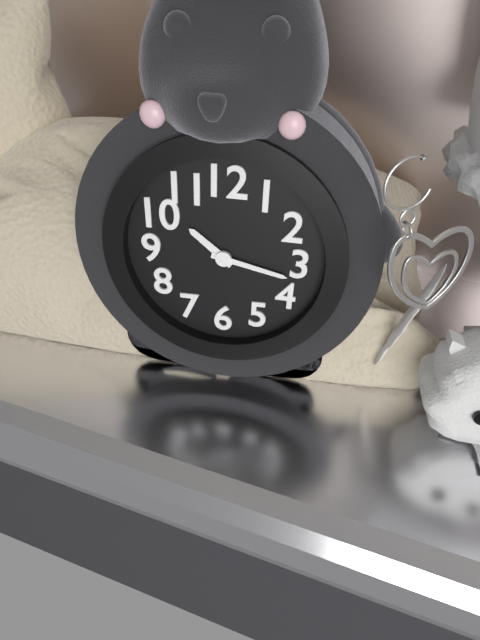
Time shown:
10.17
